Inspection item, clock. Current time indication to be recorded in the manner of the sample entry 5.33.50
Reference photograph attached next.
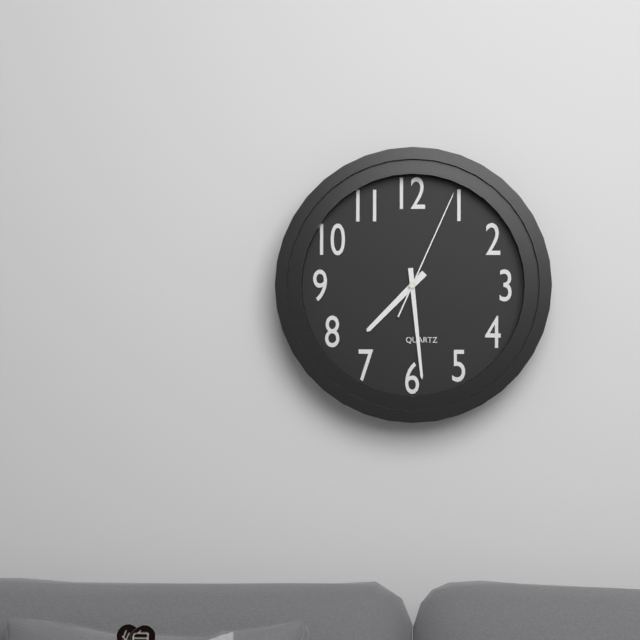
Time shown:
7.29.04
